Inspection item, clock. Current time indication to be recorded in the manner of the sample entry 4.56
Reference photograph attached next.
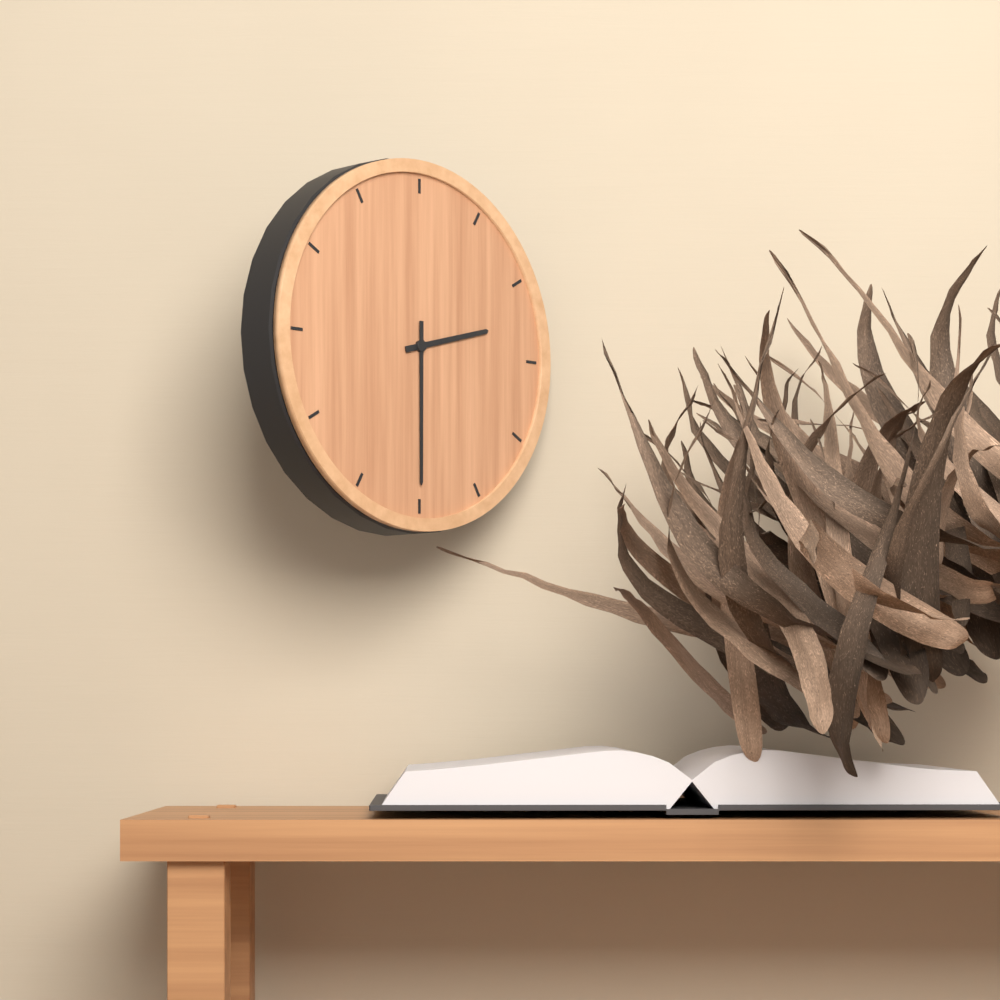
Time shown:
2.30
